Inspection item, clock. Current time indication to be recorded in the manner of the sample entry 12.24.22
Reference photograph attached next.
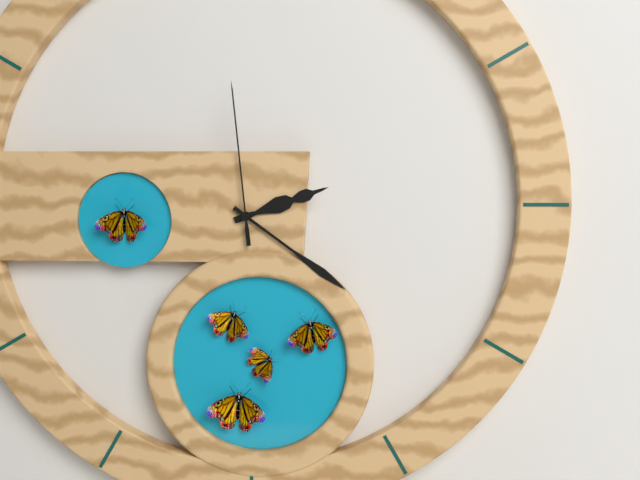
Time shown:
2.21.59
